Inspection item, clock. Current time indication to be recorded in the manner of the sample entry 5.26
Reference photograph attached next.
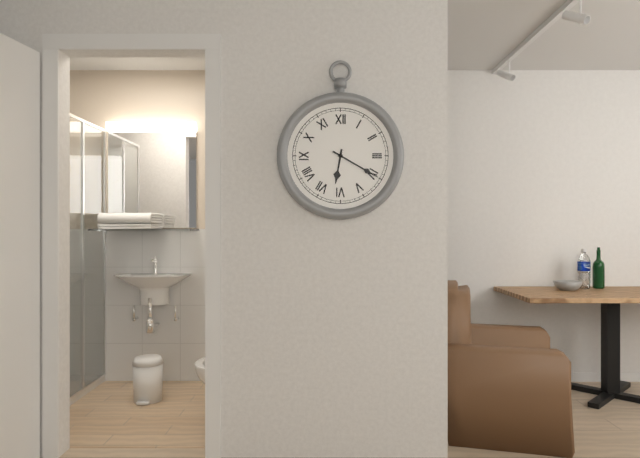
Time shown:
6.20
